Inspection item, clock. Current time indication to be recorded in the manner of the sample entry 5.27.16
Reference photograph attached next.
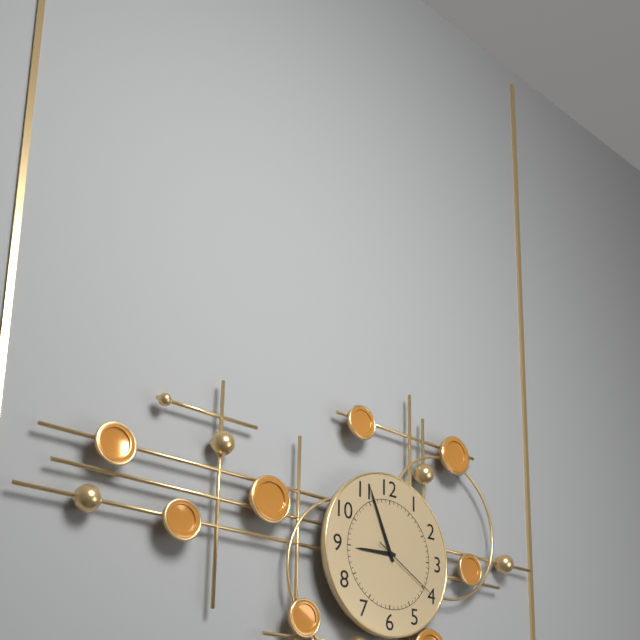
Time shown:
8.56.20
